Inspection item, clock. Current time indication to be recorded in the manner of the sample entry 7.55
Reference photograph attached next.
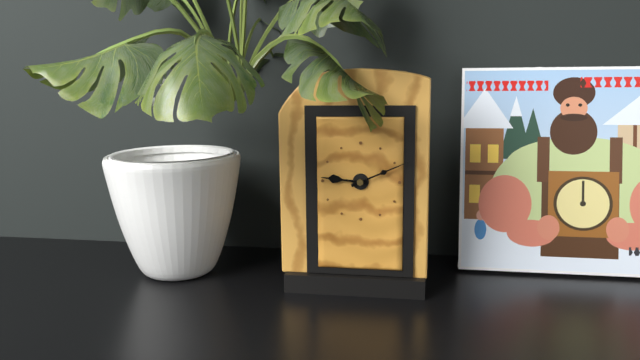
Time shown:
9.11
